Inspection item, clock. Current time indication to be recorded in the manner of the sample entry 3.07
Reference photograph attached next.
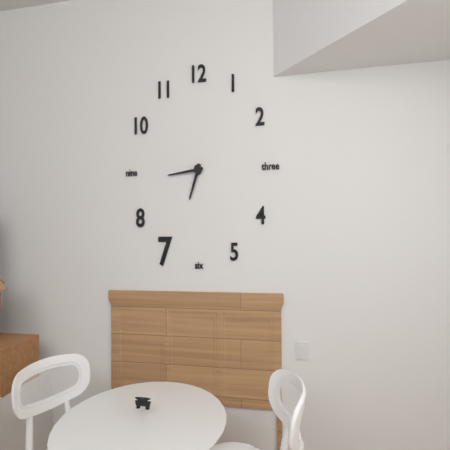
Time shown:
6.44
